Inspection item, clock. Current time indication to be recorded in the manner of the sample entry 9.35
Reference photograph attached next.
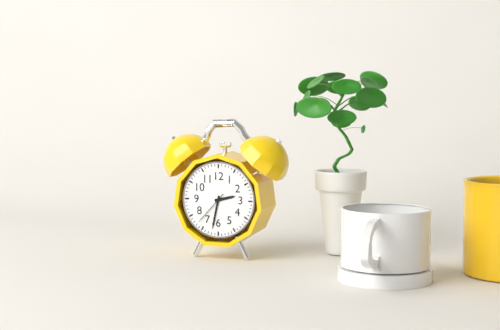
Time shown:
2.32
